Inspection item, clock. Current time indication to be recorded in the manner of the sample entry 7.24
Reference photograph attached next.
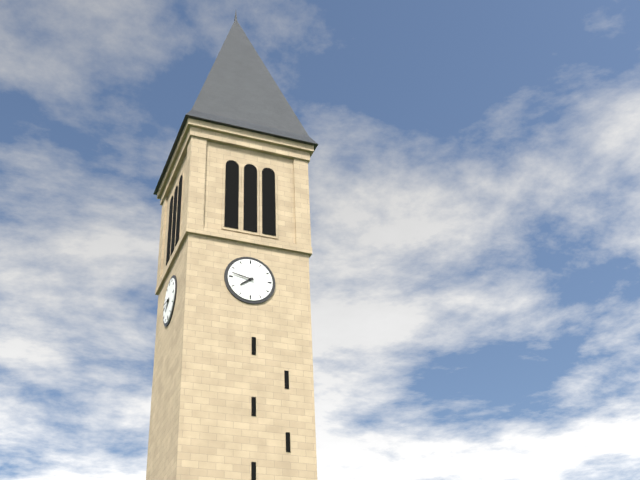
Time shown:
7.47
